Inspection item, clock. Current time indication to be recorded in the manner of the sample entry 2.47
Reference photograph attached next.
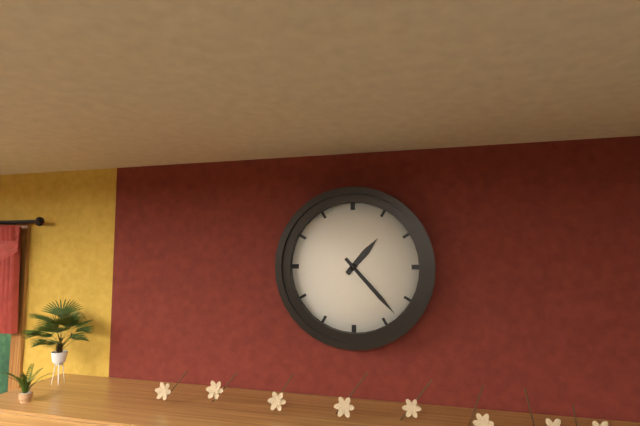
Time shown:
1.23
